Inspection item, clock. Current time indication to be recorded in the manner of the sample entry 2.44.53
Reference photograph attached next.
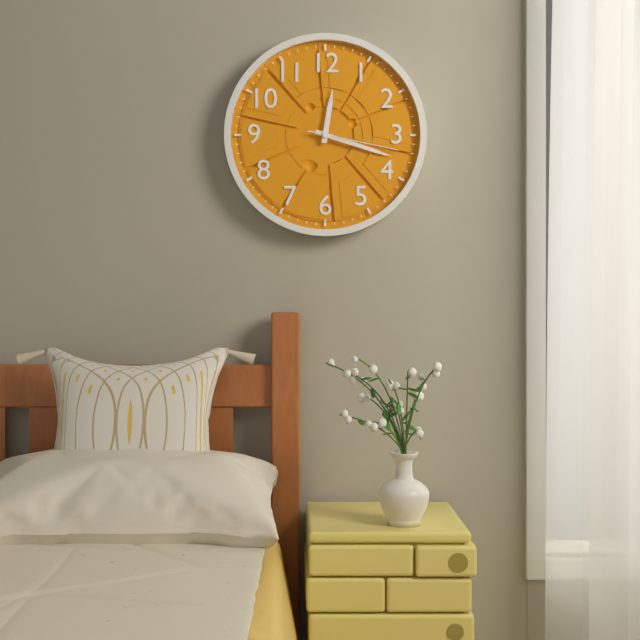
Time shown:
12.18.17
